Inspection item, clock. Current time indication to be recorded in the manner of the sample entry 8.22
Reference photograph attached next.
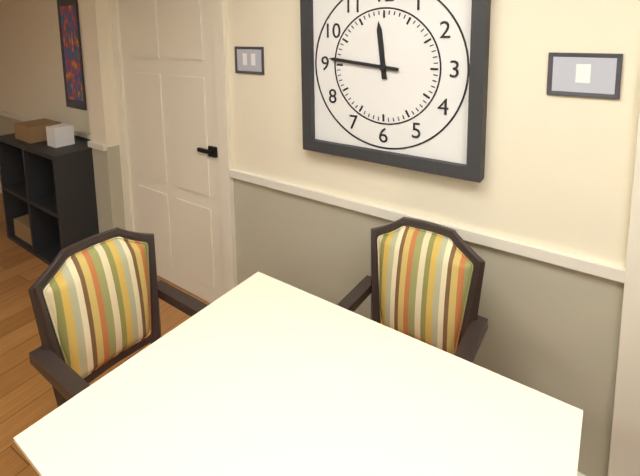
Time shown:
11.46
